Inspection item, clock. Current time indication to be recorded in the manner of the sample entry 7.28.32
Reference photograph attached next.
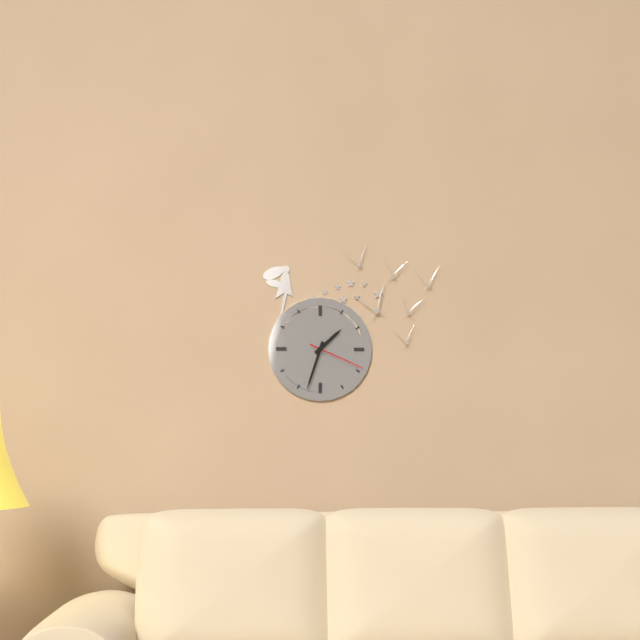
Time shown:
1.33.19
